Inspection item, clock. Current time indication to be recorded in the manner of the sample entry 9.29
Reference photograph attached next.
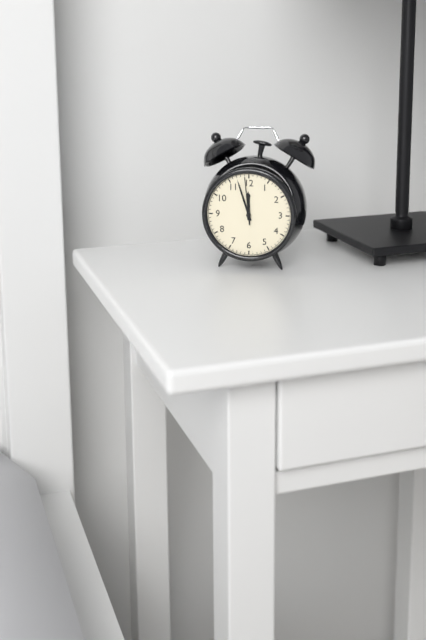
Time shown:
11.57
